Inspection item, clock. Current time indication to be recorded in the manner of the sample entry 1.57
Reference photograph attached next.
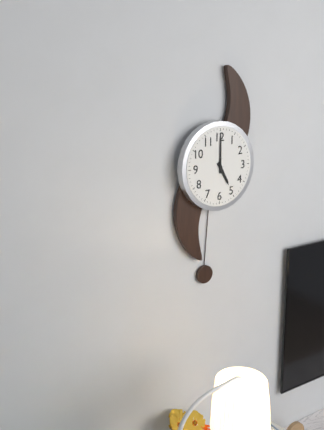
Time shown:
5.00
